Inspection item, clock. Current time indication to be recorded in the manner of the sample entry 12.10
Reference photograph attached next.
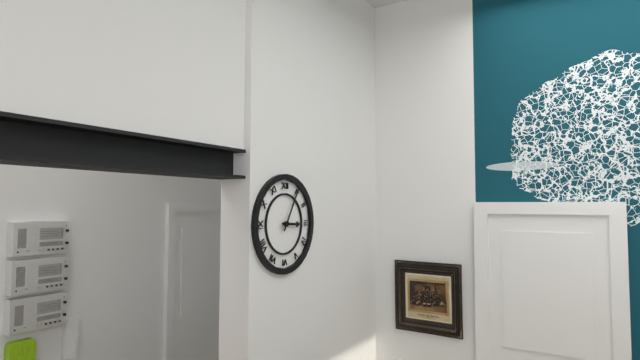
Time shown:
3.05
